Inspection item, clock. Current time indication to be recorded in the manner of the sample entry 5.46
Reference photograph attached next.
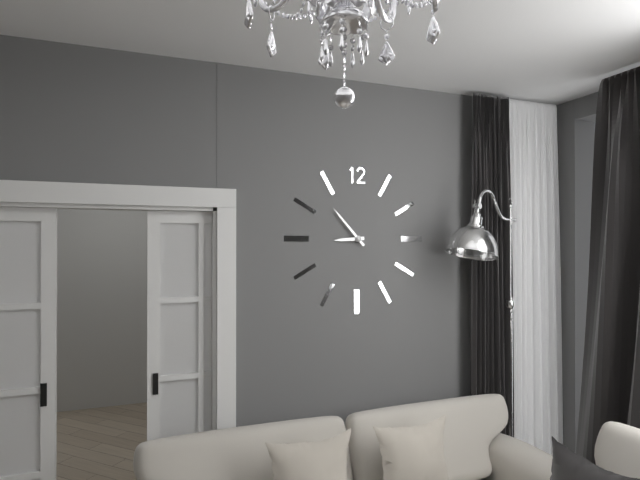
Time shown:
8.53
